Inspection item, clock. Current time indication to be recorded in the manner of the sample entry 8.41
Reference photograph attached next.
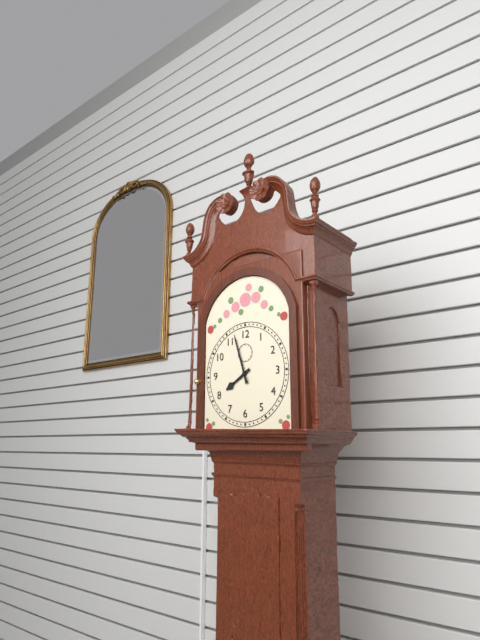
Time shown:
7.57
